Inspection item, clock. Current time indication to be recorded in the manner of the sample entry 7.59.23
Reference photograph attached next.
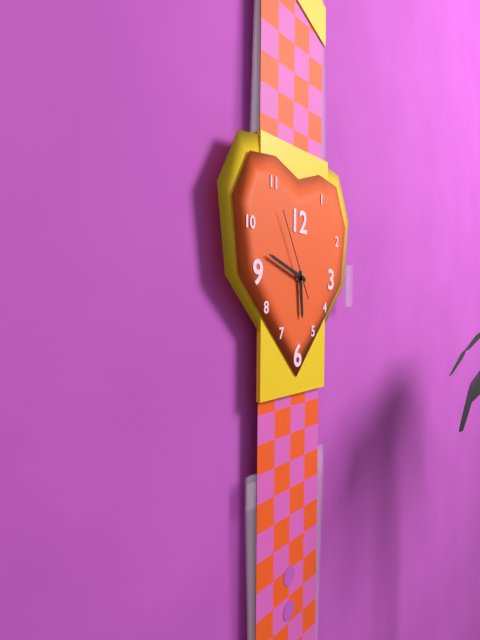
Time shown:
5.48.55
